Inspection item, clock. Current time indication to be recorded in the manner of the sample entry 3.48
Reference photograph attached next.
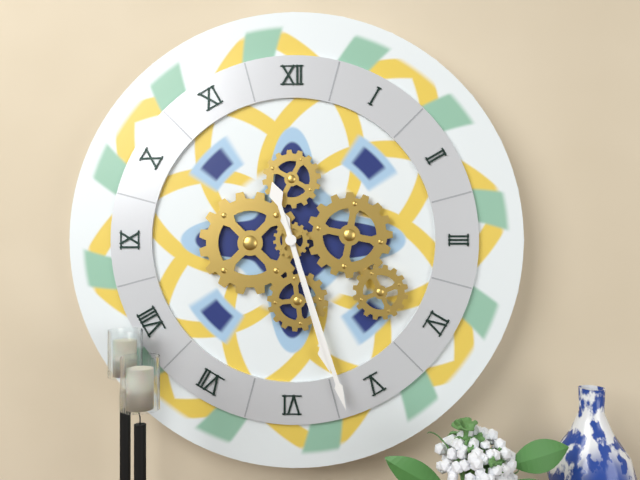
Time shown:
5.27
